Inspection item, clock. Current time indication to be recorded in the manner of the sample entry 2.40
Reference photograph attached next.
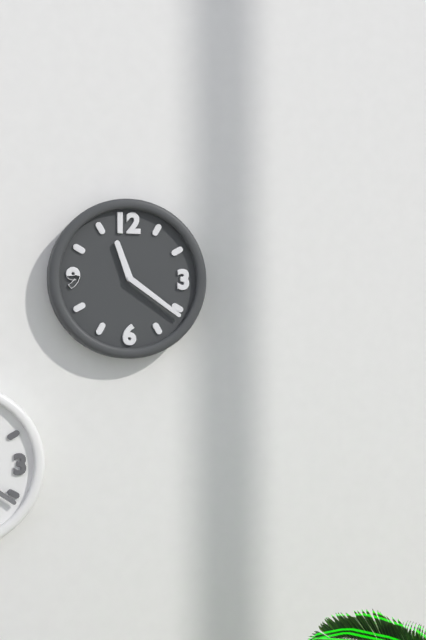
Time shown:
11.21
